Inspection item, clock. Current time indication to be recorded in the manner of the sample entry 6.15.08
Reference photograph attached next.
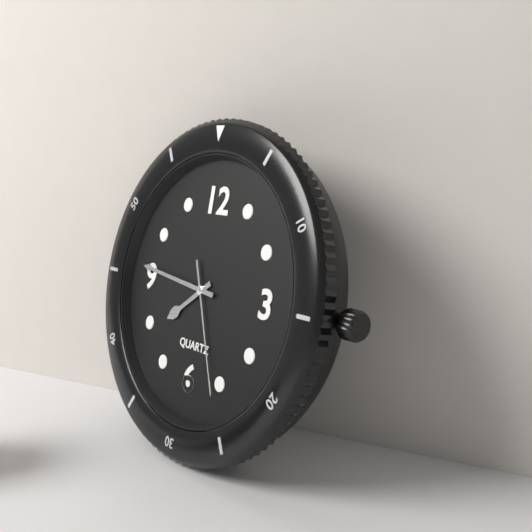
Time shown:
7.46.26
